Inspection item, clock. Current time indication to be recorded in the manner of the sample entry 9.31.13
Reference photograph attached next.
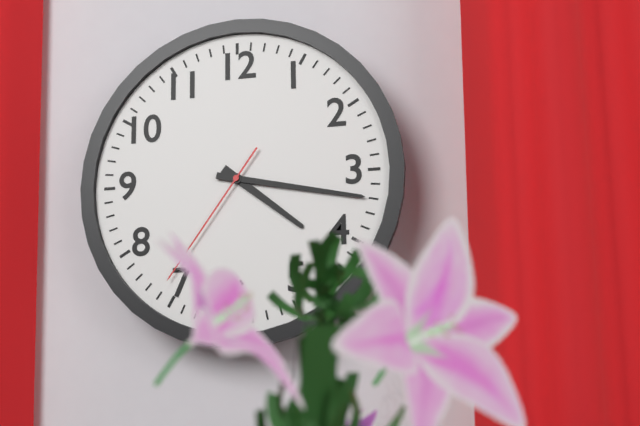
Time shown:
4.17.36
